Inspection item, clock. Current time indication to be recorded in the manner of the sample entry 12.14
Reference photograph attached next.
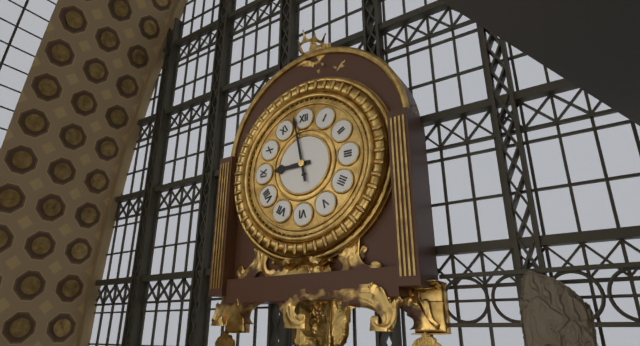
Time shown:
8.58
